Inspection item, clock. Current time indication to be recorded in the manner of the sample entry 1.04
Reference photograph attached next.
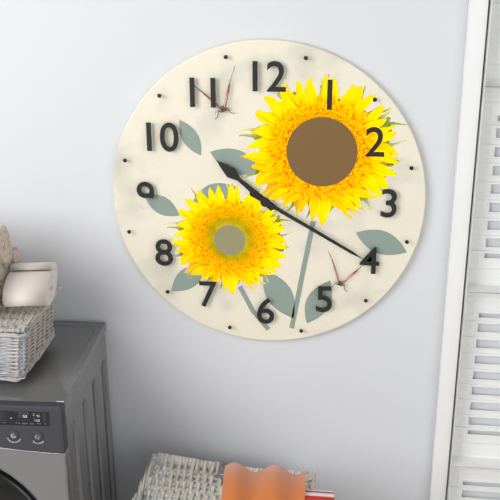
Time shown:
10.20
